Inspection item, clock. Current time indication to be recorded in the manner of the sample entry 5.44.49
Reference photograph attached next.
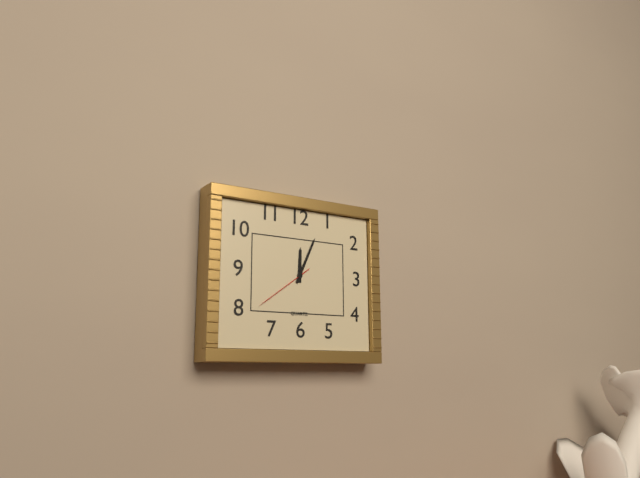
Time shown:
12.04.39
